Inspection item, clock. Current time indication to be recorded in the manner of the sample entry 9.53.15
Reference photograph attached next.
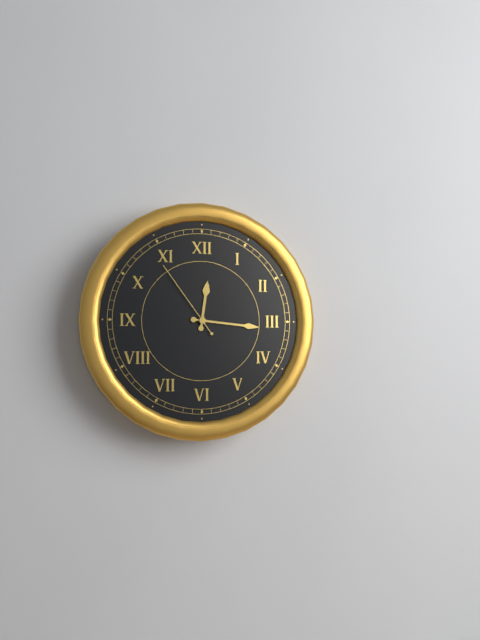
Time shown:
12.16.54
